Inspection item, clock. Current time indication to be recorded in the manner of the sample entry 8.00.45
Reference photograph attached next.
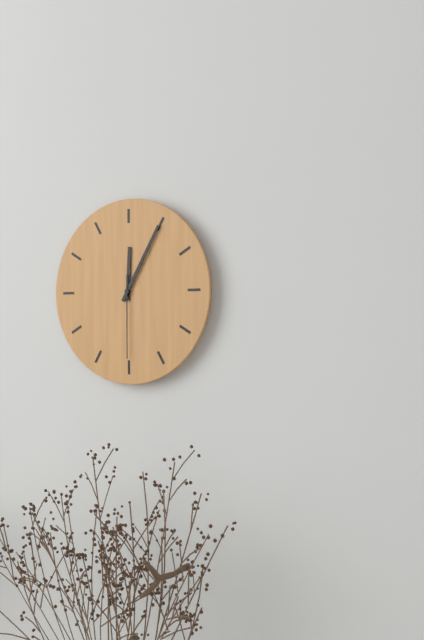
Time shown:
12.05.30
